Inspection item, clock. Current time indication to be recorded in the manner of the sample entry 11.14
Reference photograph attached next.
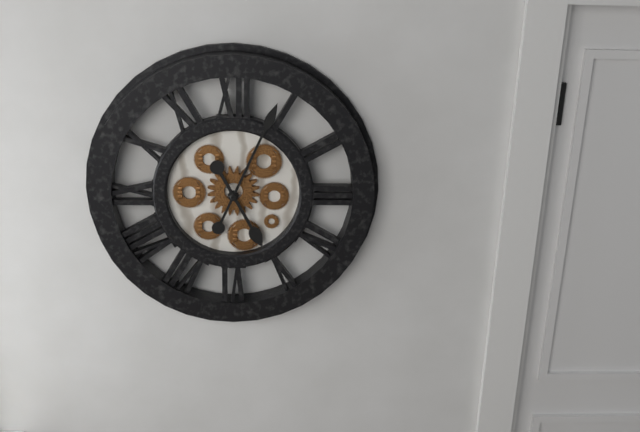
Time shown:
5.04
